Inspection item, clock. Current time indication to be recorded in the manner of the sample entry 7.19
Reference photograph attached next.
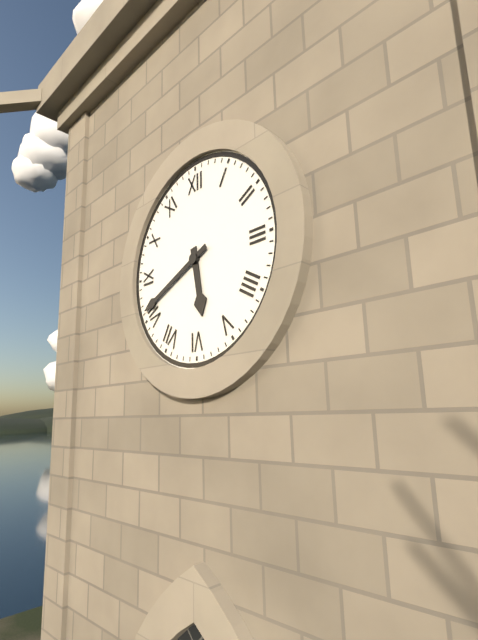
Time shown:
5.41
